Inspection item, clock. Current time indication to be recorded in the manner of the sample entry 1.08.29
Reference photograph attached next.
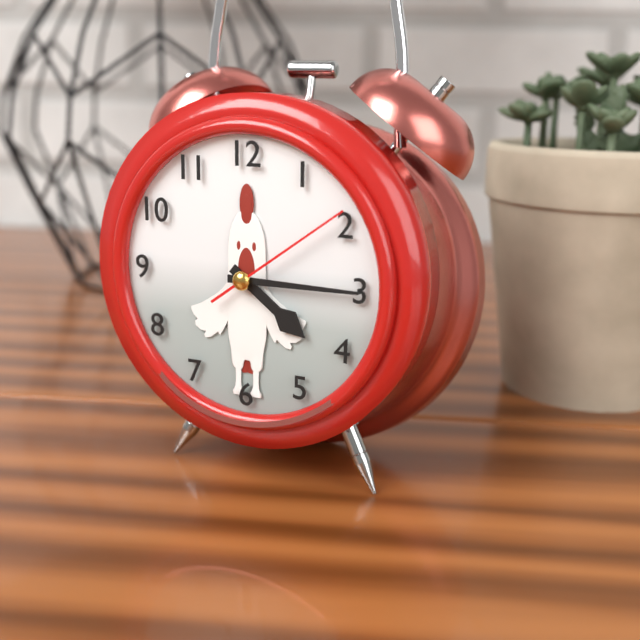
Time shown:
4.15.09
